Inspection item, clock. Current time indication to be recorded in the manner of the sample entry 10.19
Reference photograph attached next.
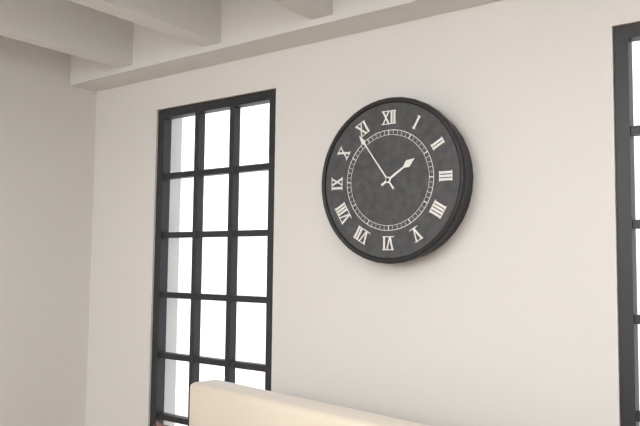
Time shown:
1.54
